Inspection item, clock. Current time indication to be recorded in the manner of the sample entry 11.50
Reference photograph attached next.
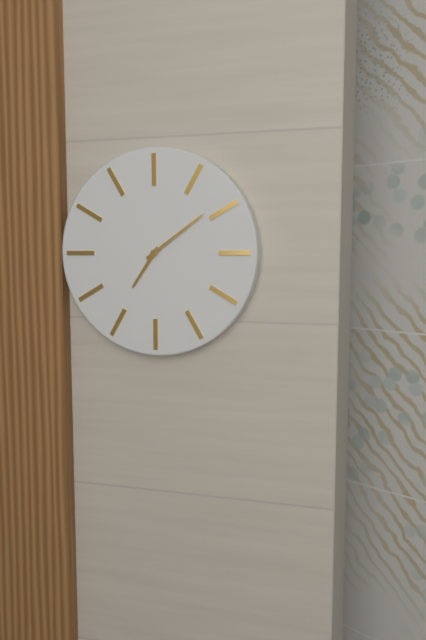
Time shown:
7.09
